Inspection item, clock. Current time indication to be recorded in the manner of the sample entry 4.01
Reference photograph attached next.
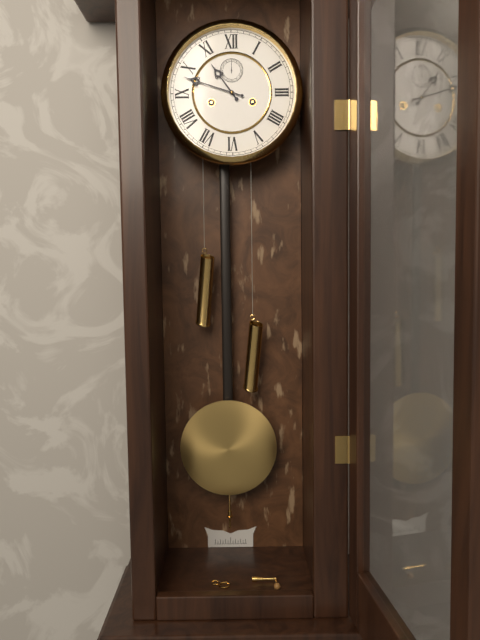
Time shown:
10.48
